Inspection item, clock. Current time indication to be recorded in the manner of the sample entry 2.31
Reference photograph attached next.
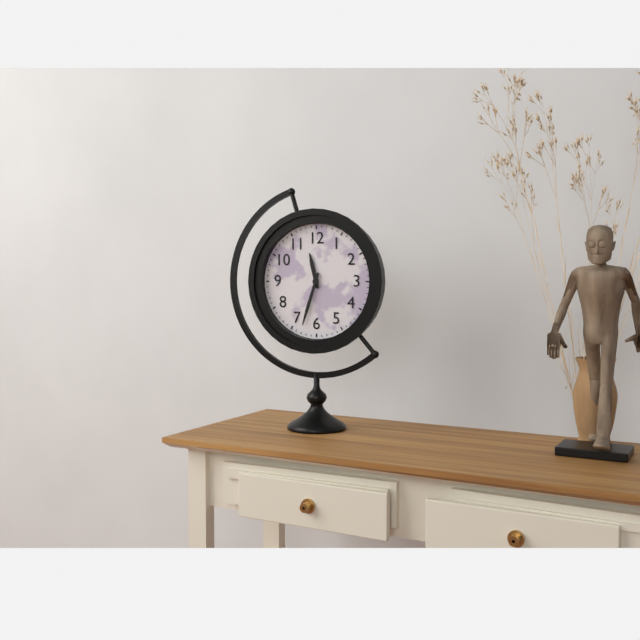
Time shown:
11.33
